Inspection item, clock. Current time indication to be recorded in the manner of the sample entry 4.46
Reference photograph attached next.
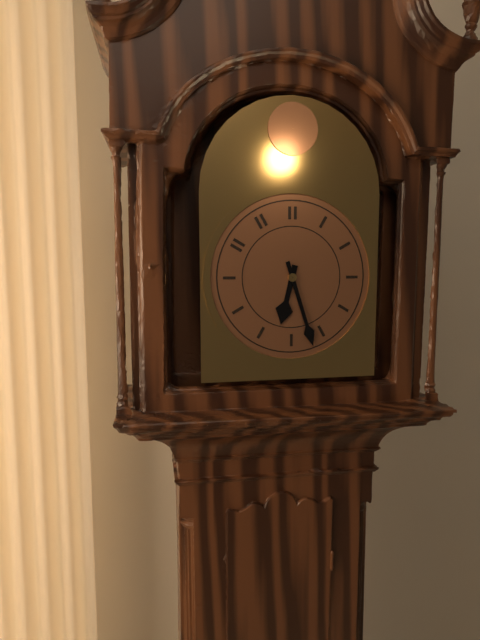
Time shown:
6.27
